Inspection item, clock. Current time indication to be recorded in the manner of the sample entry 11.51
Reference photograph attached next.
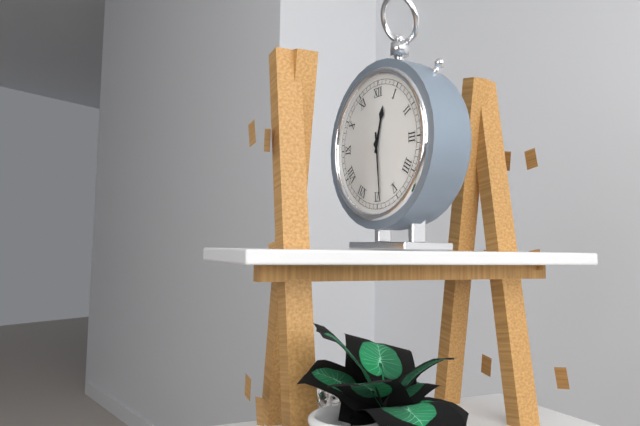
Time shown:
12.29
